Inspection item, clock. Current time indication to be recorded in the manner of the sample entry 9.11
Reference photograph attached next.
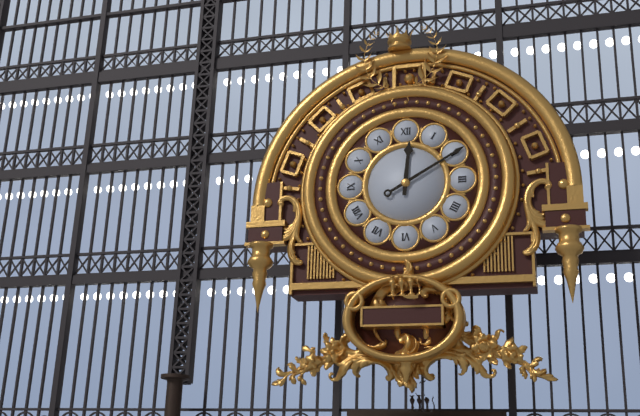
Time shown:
12.10
